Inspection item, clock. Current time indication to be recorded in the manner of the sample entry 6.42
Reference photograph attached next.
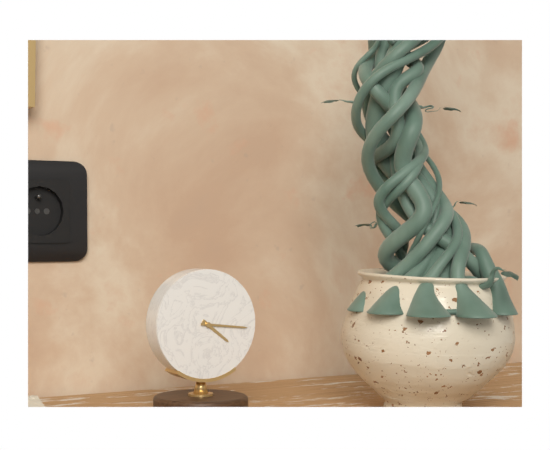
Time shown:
4.16
